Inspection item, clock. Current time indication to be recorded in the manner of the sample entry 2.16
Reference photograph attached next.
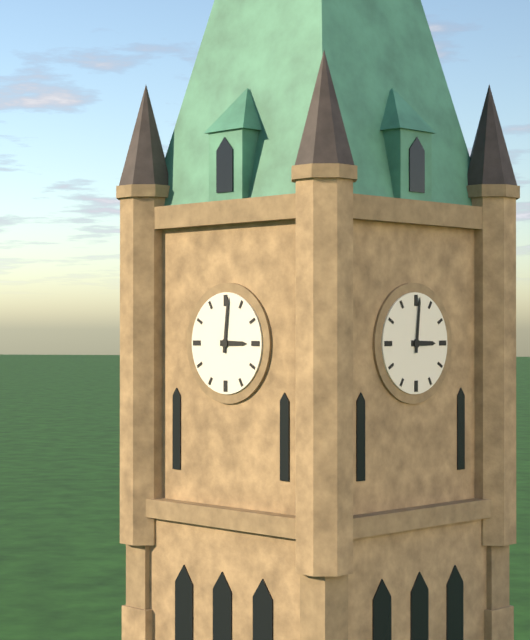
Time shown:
3.01
